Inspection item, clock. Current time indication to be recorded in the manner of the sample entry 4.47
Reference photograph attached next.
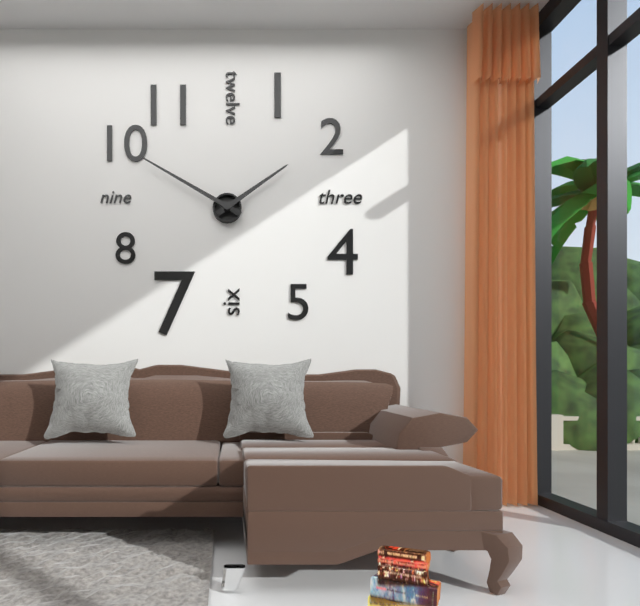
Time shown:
1.50
